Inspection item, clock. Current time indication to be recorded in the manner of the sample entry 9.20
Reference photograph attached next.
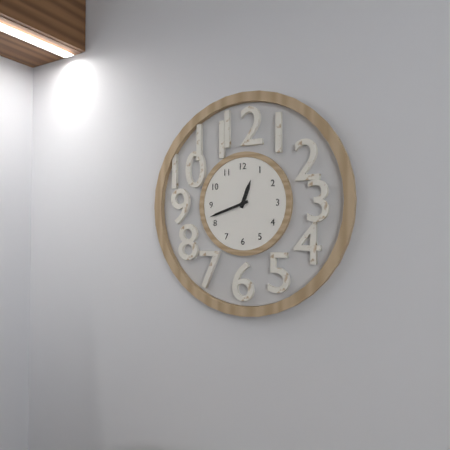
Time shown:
12.42
